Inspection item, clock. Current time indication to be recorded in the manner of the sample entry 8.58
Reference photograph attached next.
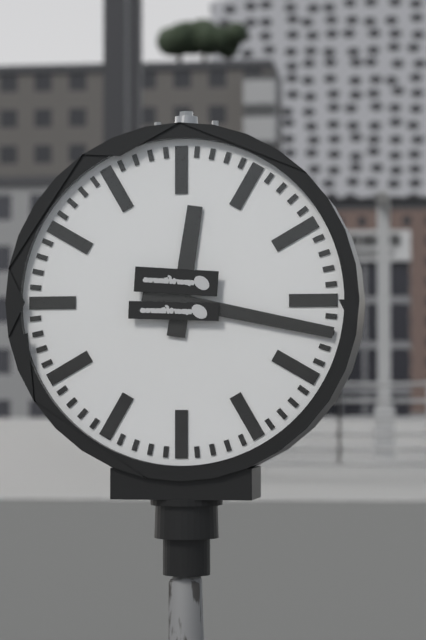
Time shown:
12.17
